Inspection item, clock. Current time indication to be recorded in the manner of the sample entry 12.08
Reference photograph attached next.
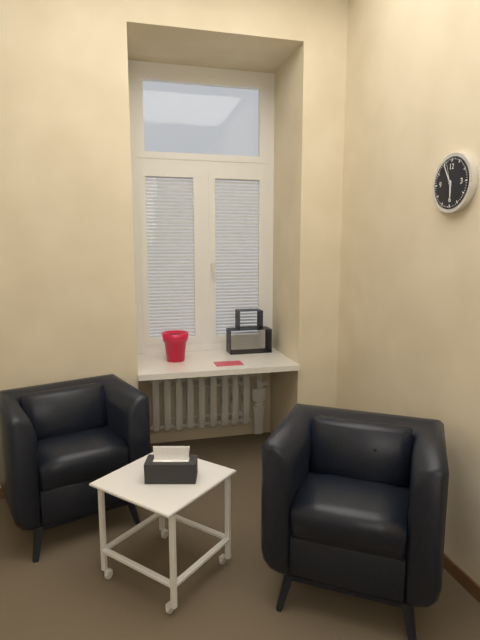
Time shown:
5.55
